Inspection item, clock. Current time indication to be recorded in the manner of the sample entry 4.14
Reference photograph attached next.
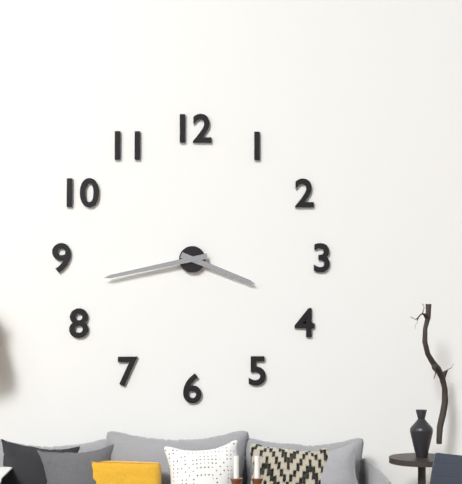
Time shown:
3.43
